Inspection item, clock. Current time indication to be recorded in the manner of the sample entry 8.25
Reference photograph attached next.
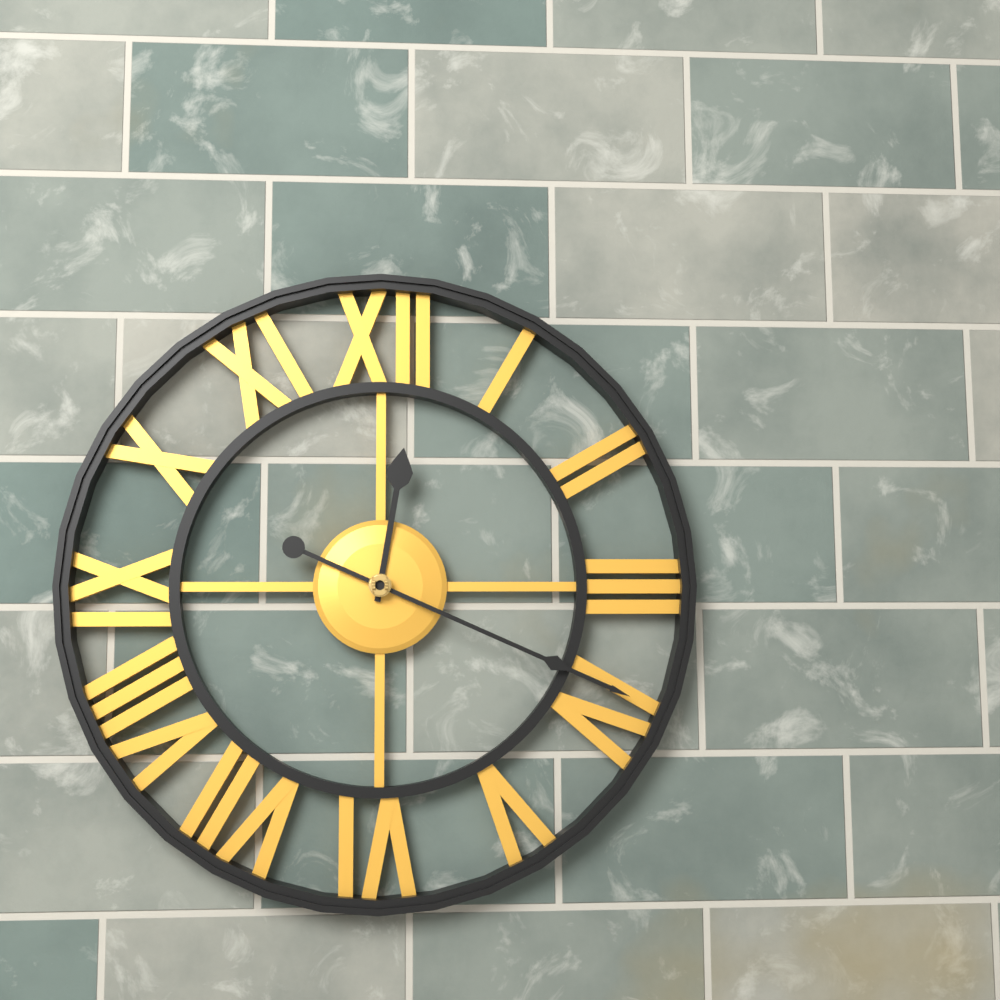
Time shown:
12.19
